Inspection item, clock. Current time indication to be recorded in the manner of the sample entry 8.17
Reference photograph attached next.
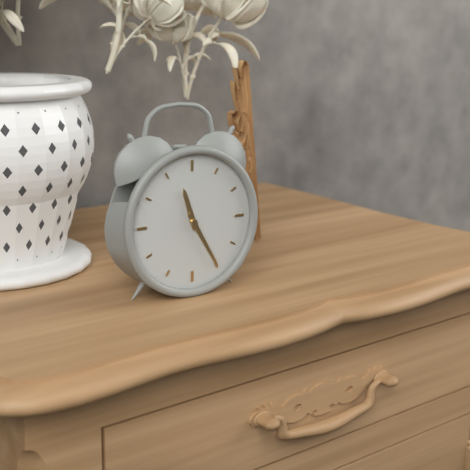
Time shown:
11.25
